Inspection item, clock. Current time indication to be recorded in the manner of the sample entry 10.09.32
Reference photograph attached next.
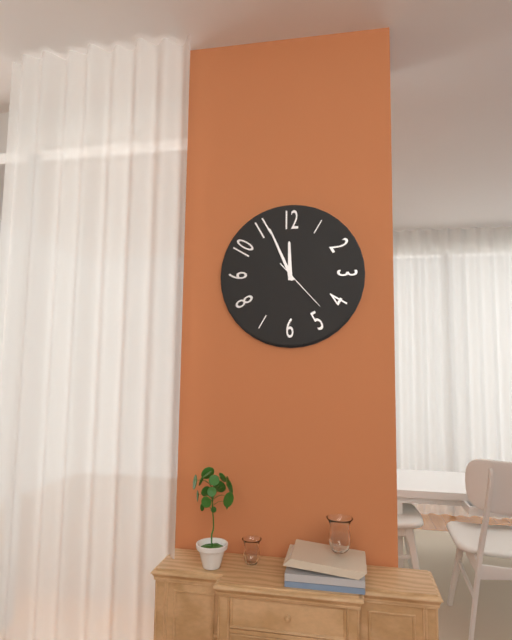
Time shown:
11.56.23
